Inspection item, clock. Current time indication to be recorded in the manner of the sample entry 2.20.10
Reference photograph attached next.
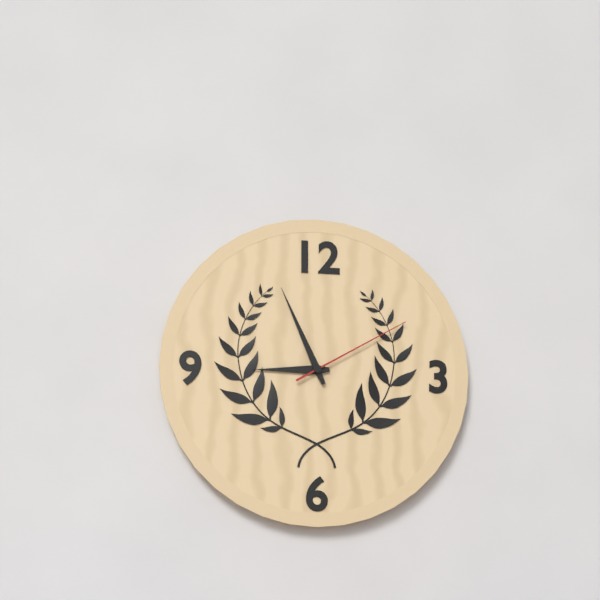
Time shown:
8.56.10
